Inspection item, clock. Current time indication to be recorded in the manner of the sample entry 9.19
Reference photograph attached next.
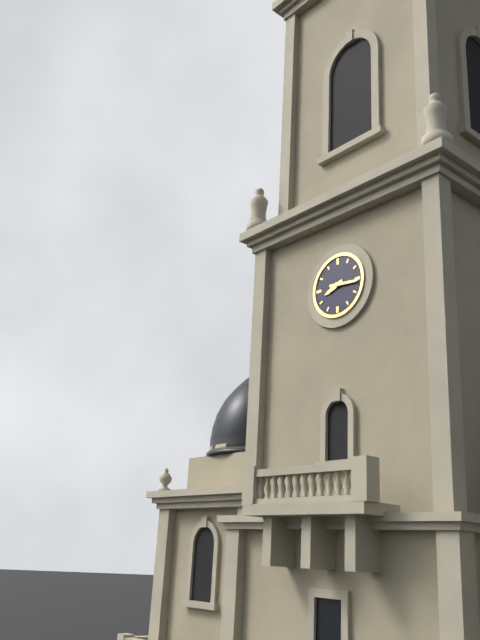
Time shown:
8.16
